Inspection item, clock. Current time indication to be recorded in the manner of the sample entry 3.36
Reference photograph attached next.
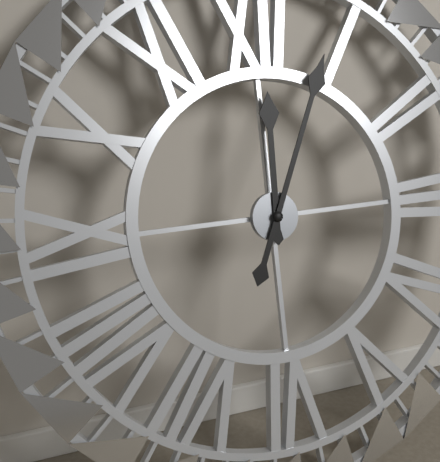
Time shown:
12.04
